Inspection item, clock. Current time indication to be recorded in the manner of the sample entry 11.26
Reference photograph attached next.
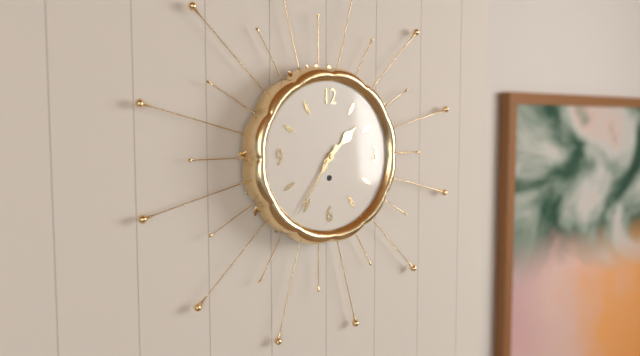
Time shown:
1.36
